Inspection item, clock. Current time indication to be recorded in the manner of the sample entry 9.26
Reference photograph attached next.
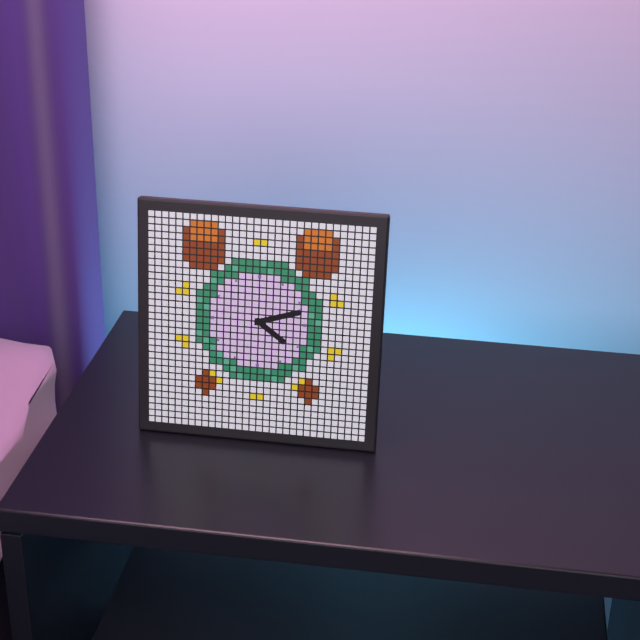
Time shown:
4.12
